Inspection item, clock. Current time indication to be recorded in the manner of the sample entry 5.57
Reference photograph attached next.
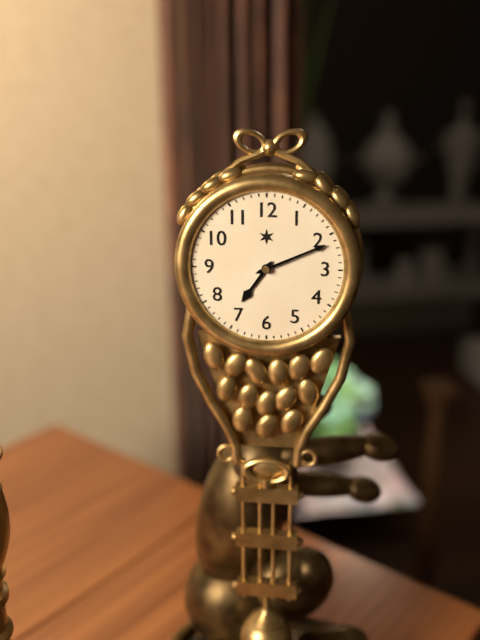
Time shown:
7.11
